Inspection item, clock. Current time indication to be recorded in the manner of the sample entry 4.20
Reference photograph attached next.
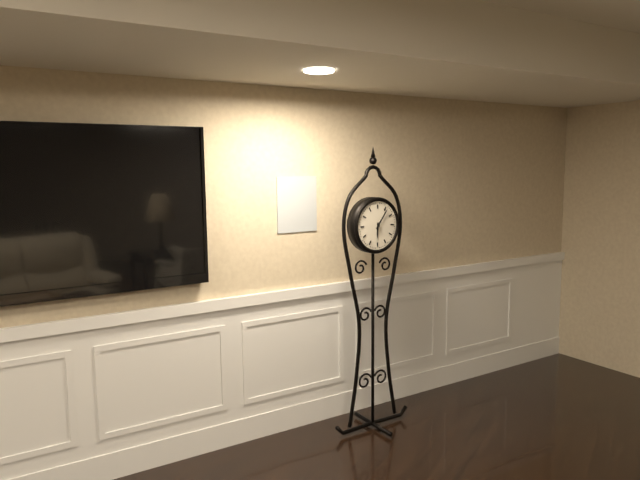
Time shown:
6.06
